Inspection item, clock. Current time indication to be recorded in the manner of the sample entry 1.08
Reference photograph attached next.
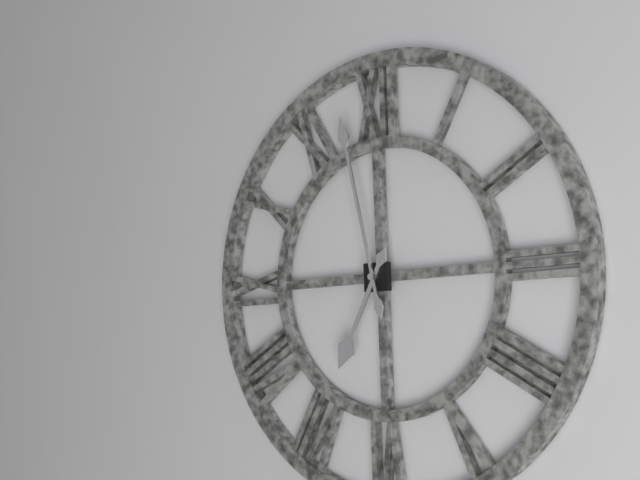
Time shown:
6.58
